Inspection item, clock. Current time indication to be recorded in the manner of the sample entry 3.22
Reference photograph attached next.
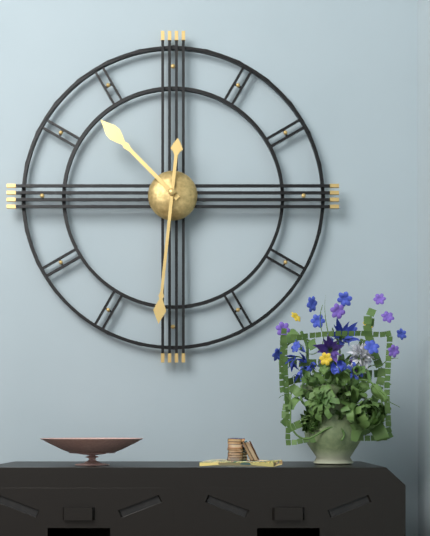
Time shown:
10.31
